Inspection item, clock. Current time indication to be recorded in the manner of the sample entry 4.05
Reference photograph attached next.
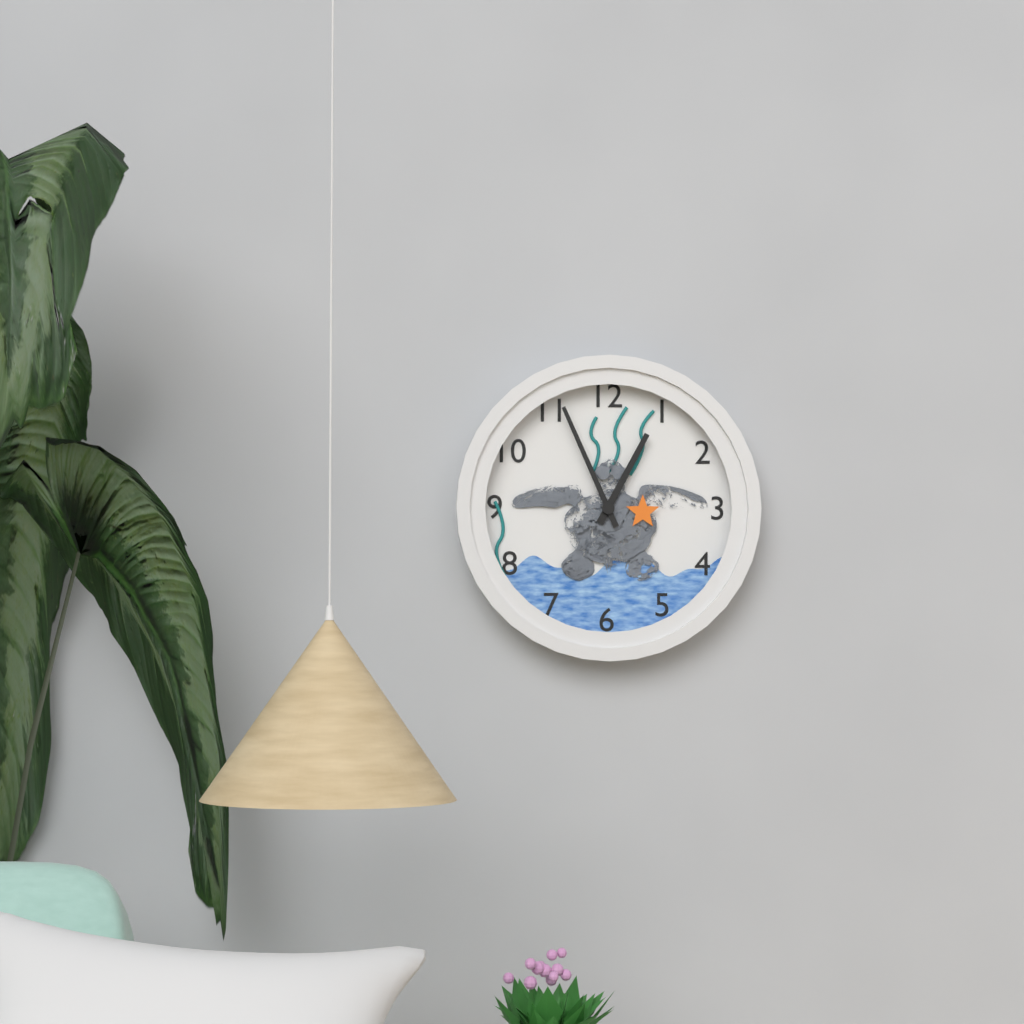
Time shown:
12.56
